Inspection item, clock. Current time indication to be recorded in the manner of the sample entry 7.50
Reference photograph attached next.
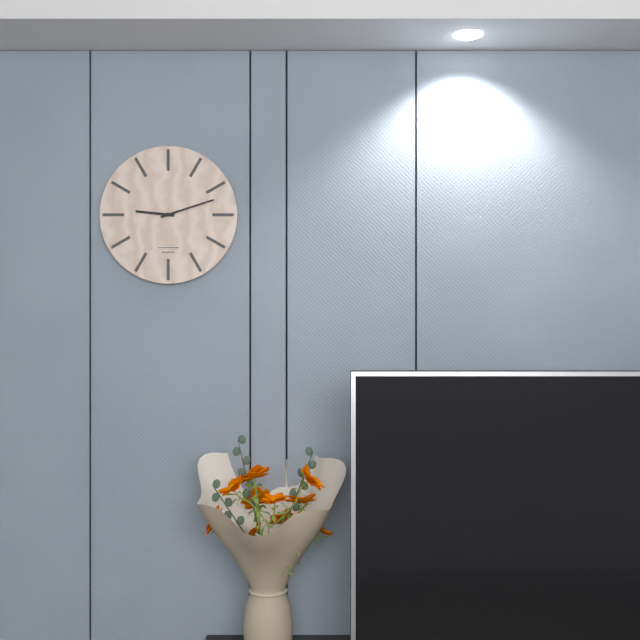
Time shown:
9.12
